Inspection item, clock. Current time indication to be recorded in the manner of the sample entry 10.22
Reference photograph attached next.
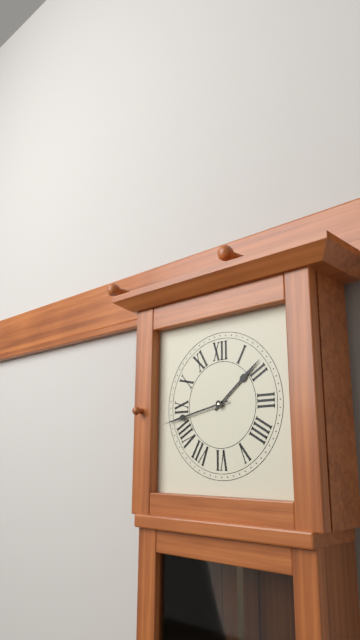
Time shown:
1.43
